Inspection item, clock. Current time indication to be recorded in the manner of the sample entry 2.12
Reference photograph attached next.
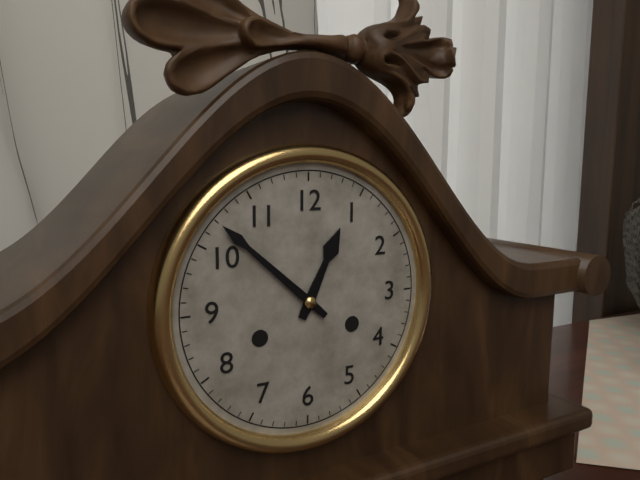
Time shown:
12.52
